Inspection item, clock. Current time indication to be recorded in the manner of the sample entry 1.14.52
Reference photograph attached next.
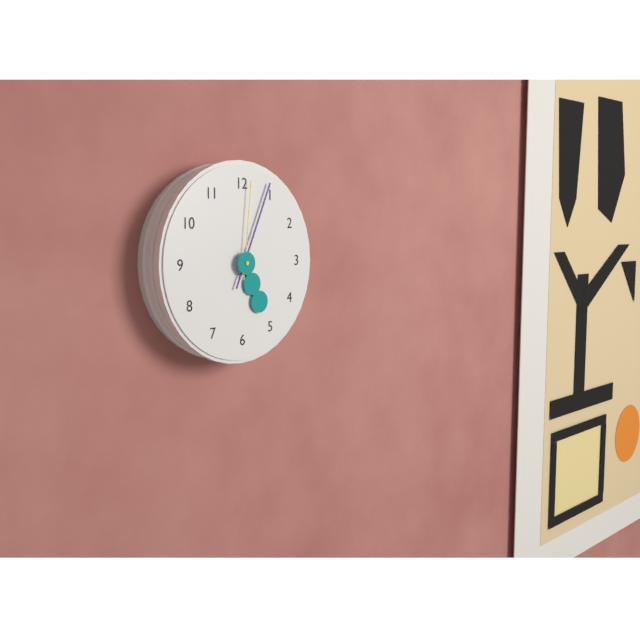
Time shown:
5.04.01
